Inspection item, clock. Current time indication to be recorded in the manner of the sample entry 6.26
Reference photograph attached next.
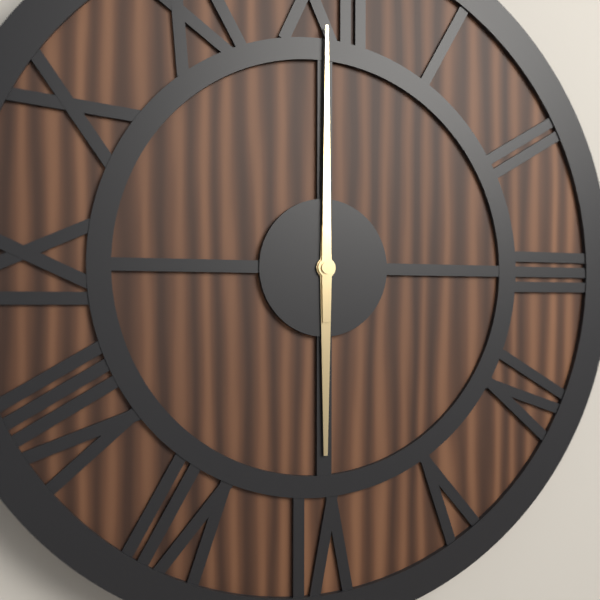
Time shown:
6.00
